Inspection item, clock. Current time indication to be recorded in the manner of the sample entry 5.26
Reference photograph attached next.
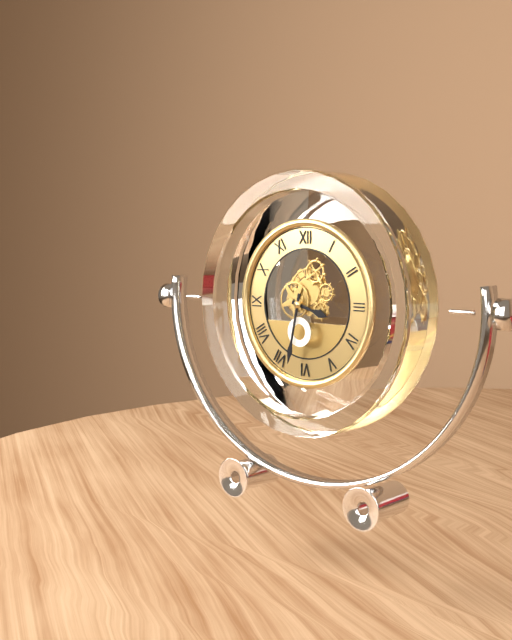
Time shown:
3.32
